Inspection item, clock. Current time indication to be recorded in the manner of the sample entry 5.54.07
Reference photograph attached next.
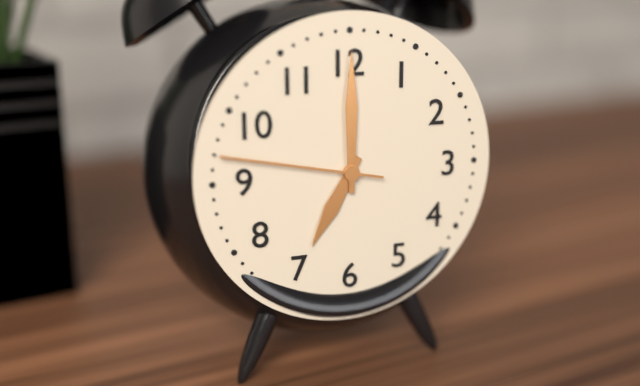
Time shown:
7.00.47
